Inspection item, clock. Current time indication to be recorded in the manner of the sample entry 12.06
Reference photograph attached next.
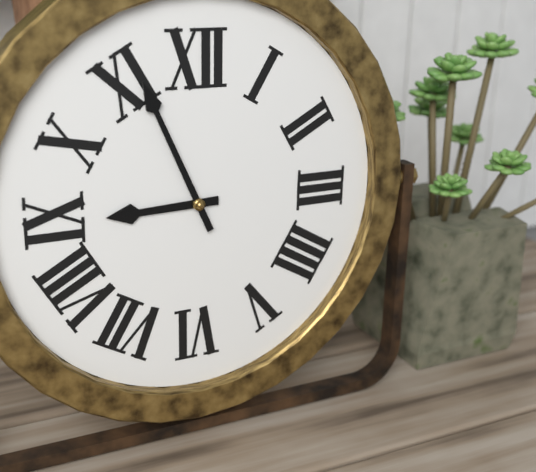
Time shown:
8.56
